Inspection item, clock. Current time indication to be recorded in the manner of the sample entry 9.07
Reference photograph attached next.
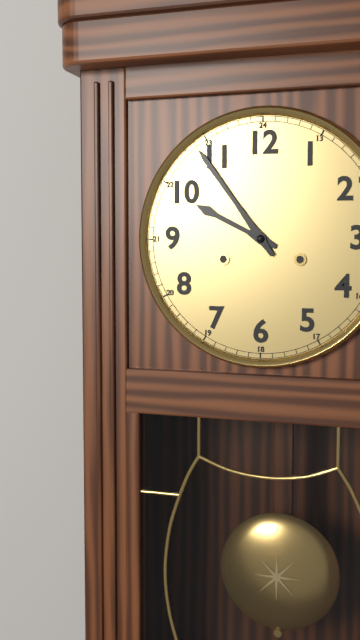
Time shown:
9.54
